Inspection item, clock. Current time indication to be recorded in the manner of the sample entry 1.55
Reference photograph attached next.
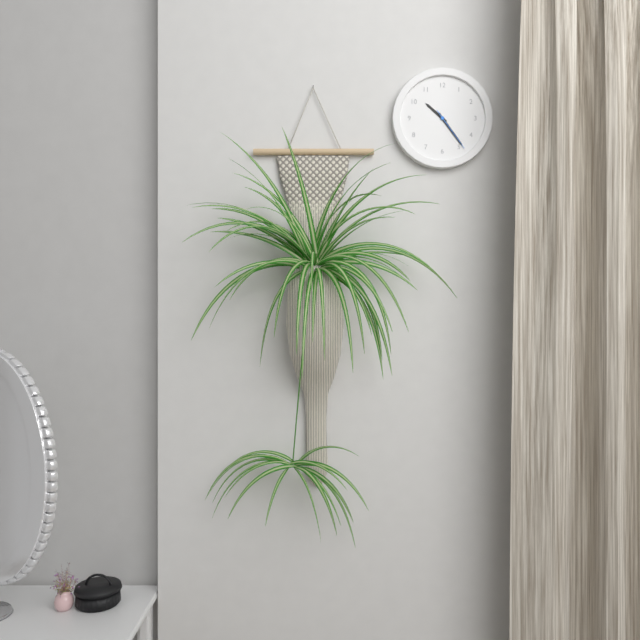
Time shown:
10.24
